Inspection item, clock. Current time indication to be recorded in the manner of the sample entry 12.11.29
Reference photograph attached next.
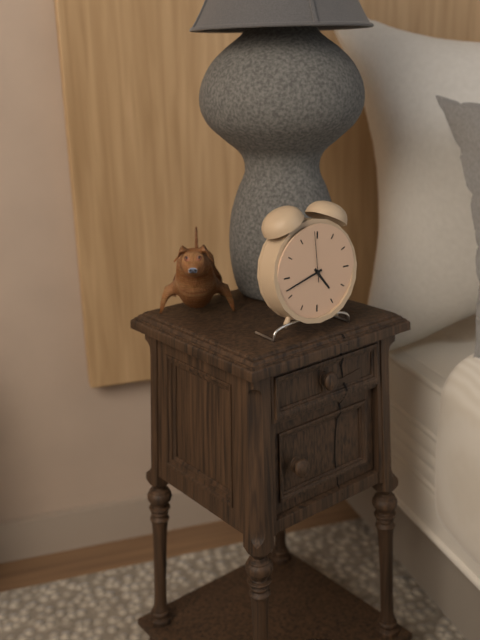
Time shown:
4.42.59
